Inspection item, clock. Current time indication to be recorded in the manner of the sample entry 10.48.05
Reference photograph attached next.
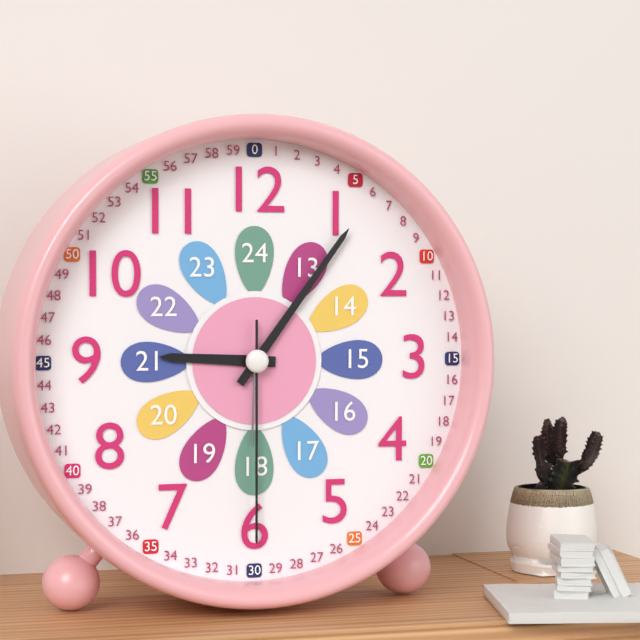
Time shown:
9.06.30
